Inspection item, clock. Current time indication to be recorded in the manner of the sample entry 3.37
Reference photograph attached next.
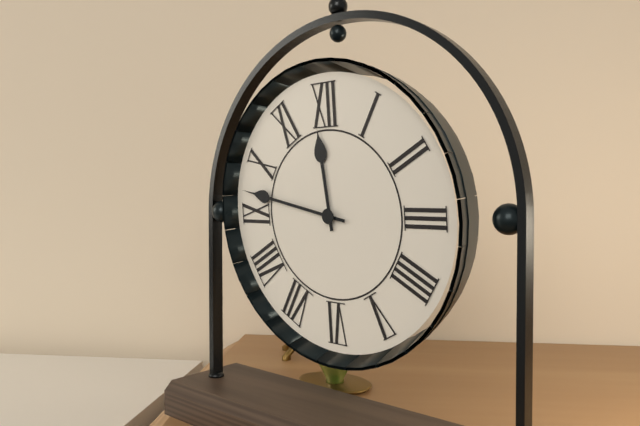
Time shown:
11.47
